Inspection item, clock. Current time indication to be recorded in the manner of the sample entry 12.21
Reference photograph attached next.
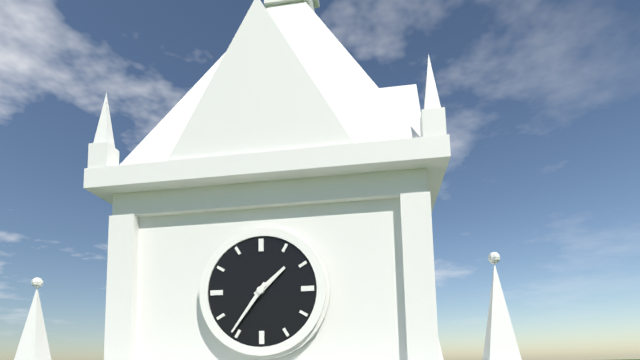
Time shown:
1.36
